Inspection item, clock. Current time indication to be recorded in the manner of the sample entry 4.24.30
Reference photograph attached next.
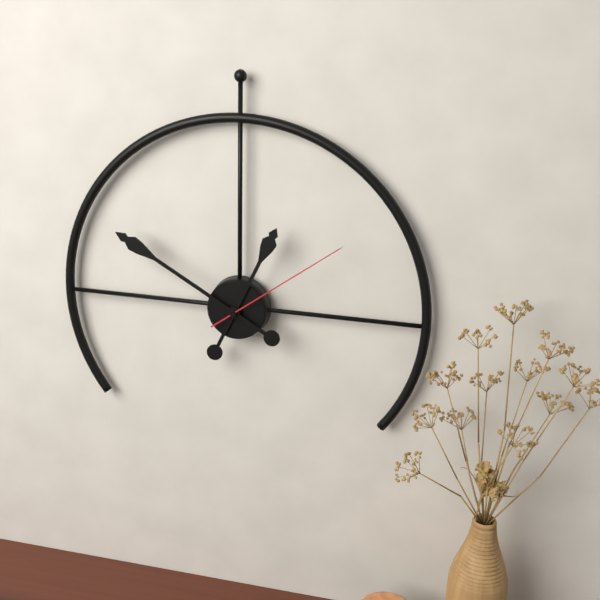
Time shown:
12.50.09
